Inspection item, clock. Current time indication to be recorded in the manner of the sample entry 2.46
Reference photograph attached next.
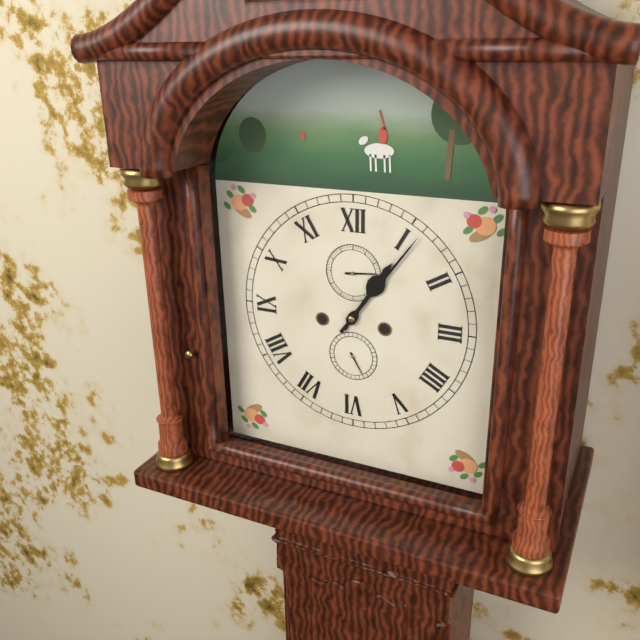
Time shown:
1.06
